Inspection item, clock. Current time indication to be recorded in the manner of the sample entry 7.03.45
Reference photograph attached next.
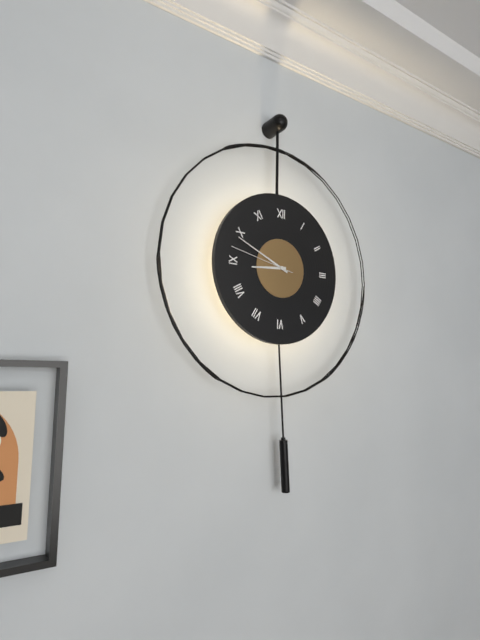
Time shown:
8.49.47
